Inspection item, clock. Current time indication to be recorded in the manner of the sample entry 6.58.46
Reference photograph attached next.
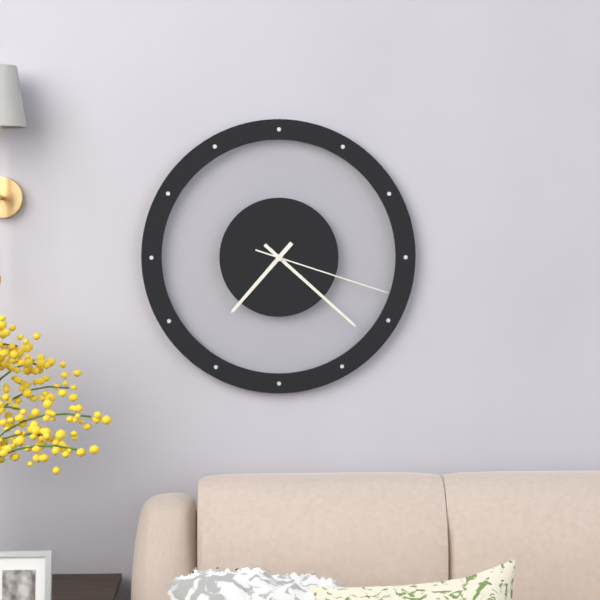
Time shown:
7.22.18
